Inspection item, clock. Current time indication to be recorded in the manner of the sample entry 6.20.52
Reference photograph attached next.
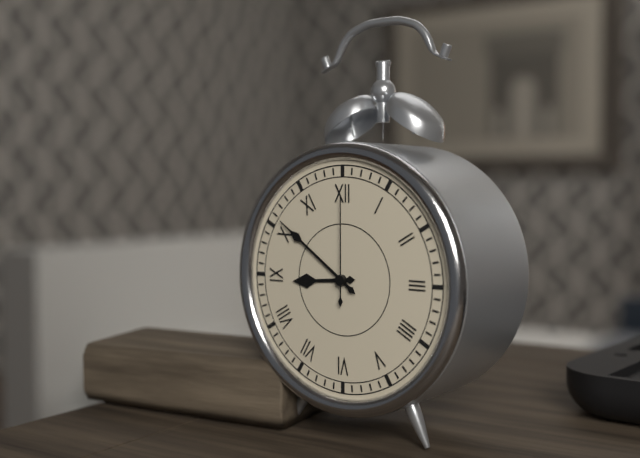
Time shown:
8.51.00
